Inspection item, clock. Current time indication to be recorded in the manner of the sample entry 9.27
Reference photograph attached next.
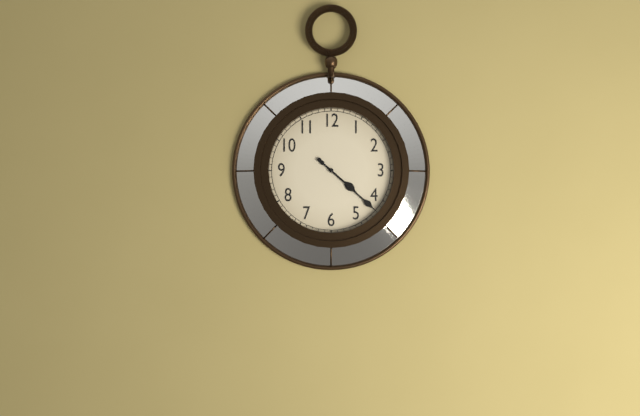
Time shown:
4.22
